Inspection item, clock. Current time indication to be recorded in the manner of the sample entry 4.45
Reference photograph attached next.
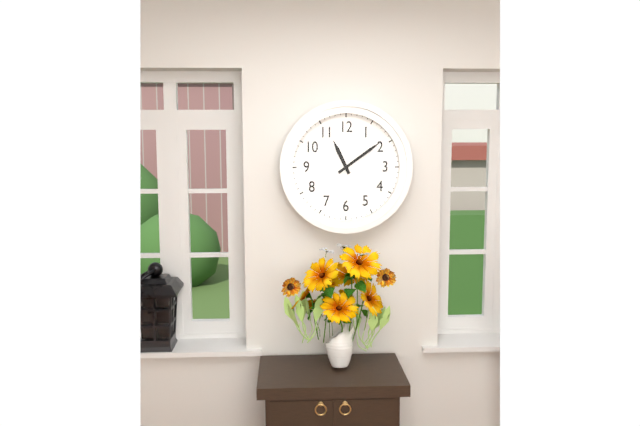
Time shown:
11.09
